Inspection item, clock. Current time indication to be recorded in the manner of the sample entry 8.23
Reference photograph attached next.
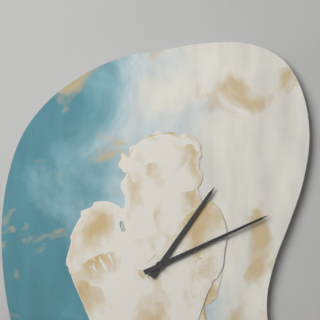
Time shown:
1.11
